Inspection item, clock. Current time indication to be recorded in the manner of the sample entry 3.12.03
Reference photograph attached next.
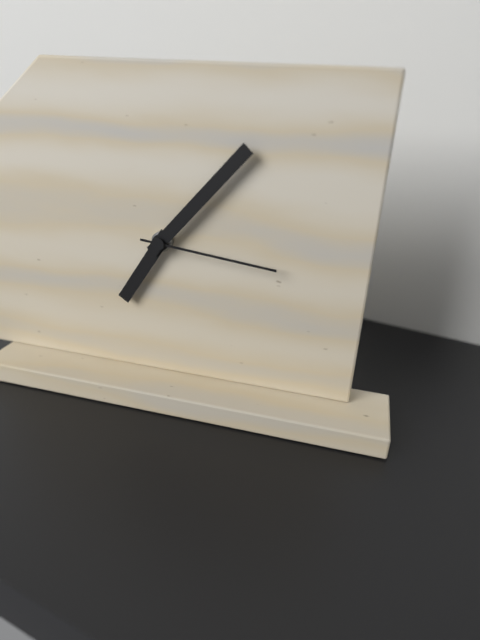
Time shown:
7.07.16
